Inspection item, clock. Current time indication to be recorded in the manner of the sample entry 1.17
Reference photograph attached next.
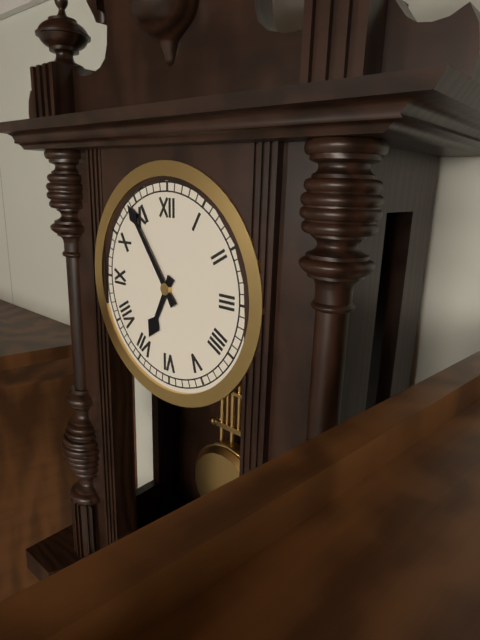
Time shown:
6.54
